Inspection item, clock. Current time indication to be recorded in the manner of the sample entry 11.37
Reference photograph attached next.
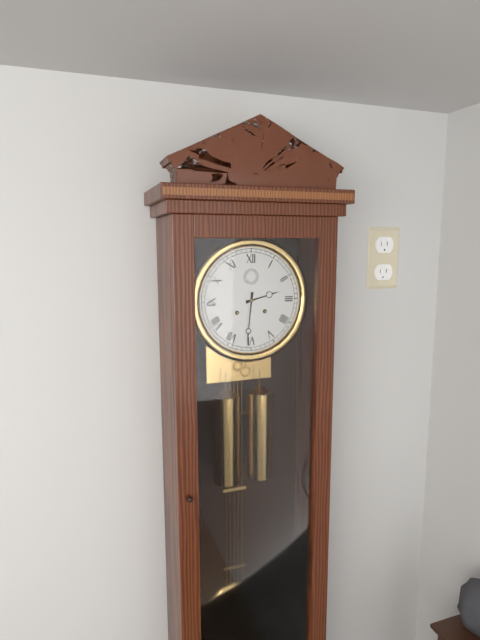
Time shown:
2.31
